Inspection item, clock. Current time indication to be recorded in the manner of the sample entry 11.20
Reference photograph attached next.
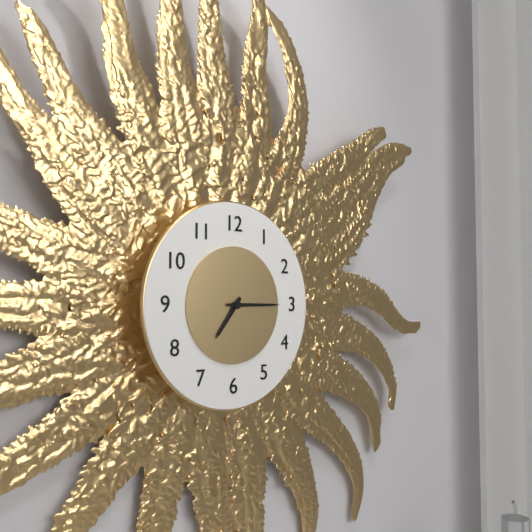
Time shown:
7.15
